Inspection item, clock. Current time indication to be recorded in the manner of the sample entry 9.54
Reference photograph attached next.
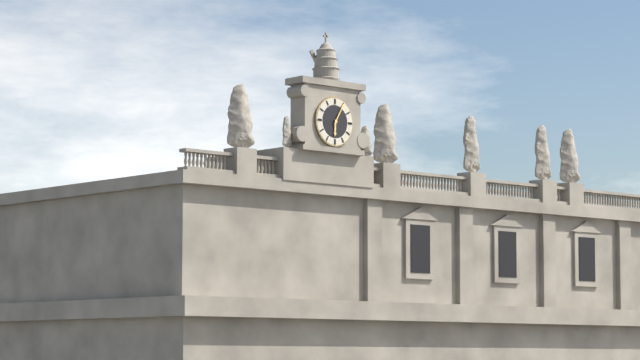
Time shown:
6.05
